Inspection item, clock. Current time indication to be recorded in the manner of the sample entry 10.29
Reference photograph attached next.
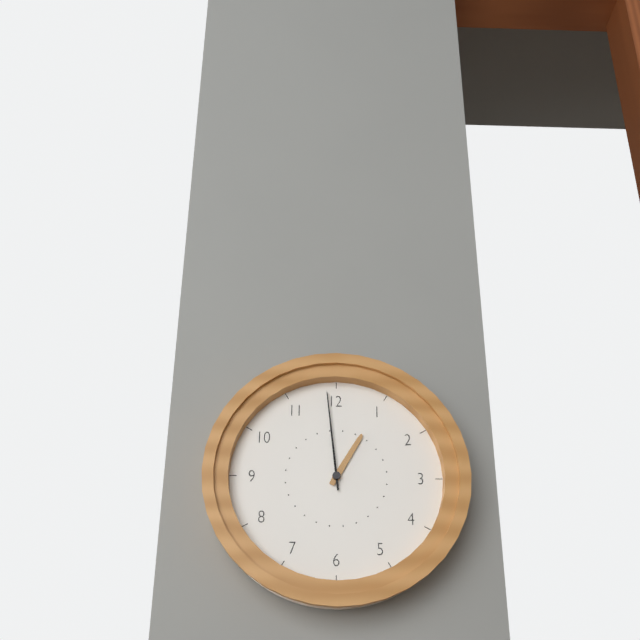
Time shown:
12.59
